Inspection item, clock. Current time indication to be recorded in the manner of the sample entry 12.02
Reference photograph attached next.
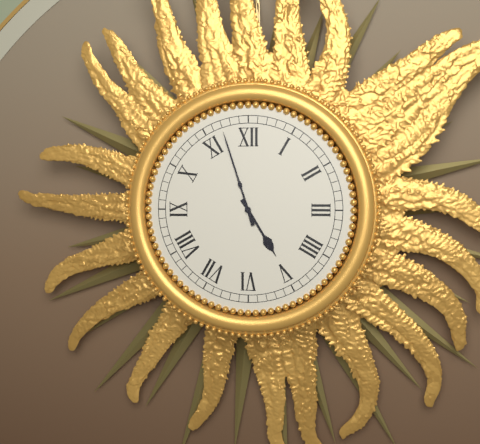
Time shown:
4.57
